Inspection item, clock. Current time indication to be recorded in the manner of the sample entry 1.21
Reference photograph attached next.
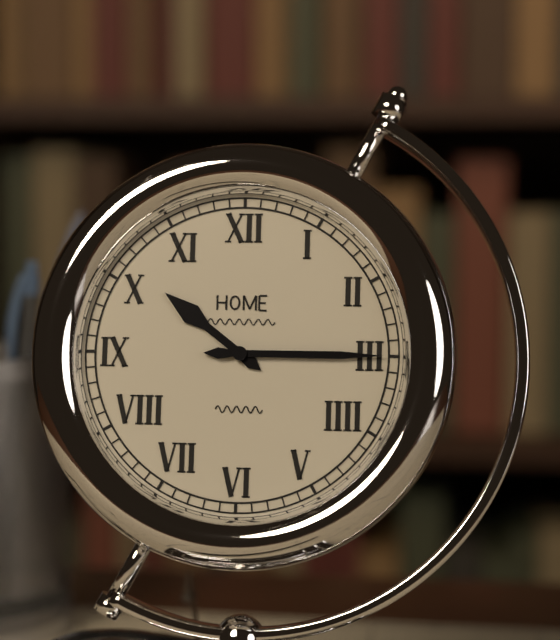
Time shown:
10.15
